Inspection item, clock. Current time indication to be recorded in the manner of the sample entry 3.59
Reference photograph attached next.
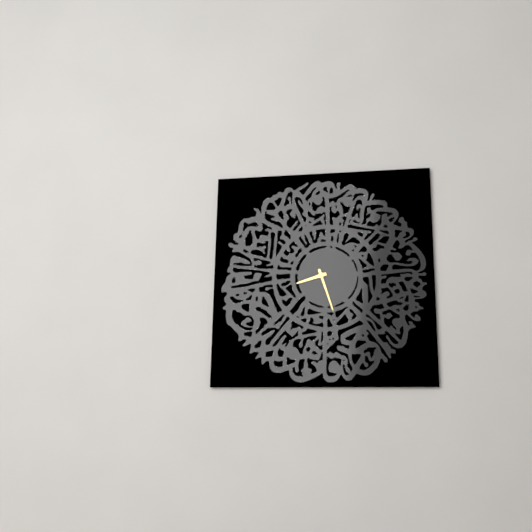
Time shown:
8.27
